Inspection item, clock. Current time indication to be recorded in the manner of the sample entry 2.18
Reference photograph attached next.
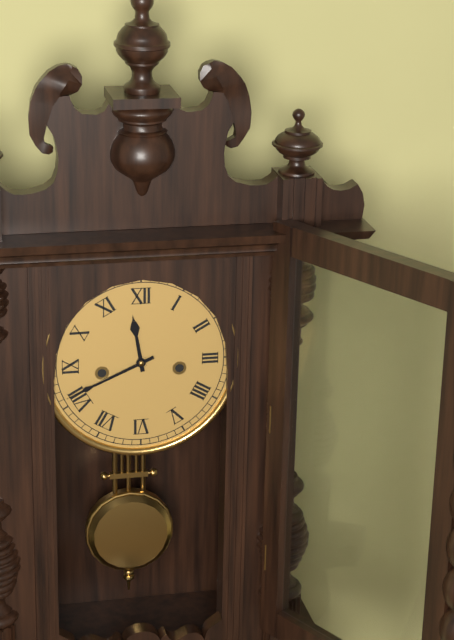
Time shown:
11.41
